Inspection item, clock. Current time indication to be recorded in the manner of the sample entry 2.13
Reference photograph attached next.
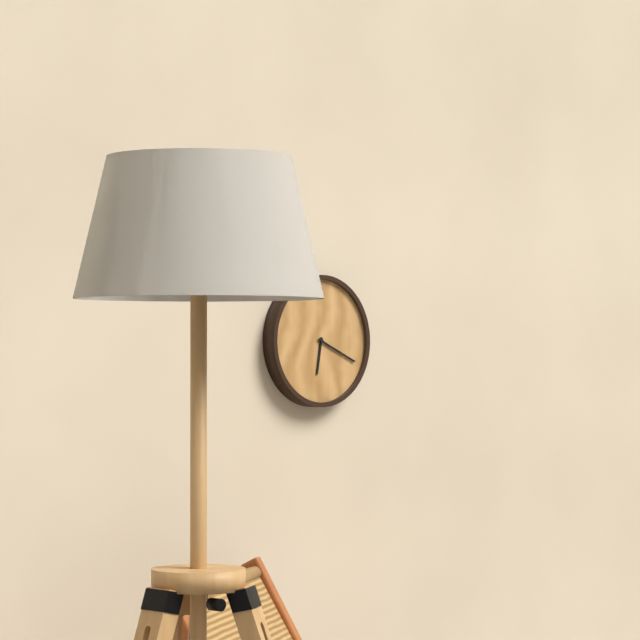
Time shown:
6.19
